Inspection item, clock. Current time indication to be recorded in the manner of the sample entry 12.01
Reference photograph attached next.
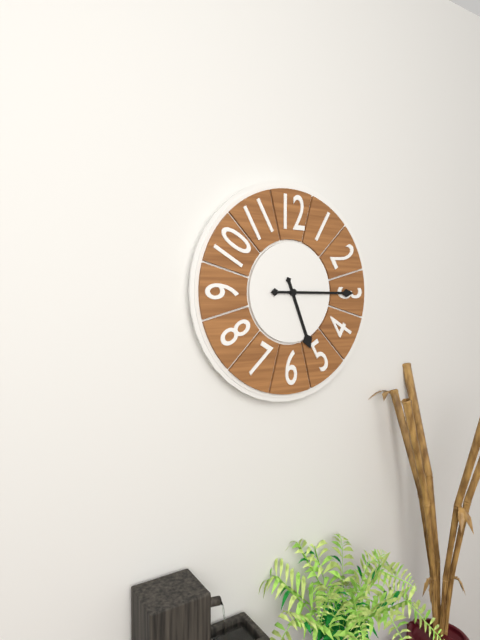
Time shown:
5.15
